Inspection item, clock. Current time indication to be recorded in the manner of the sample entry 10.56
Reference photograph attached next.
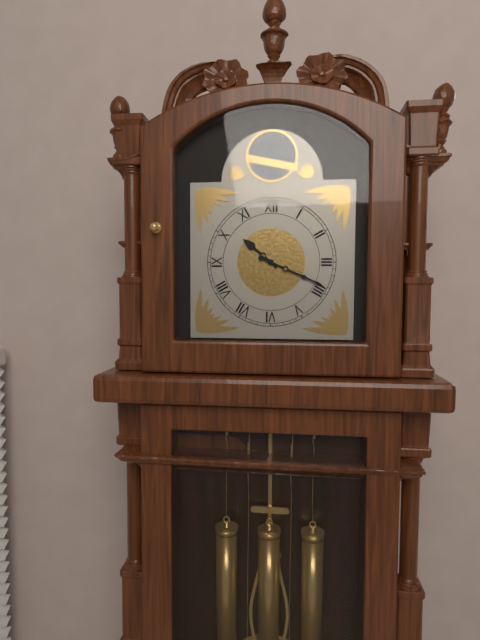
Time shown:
10.19
